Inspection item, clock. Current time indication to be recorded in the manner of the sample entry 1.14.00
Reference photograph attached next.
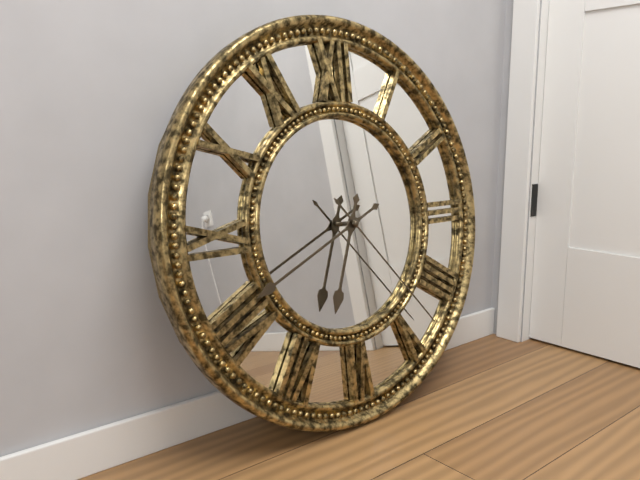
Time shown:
6.41.23
